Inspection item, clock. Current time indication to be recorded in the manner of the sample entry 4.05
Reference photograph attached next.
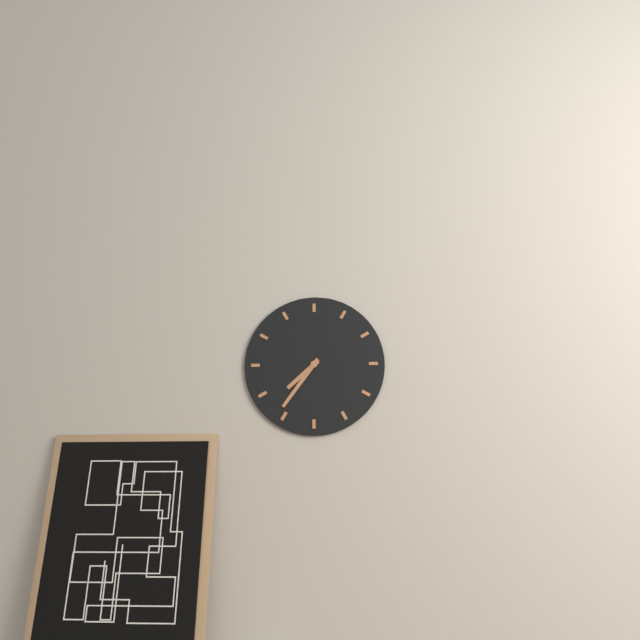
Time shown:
7.36
